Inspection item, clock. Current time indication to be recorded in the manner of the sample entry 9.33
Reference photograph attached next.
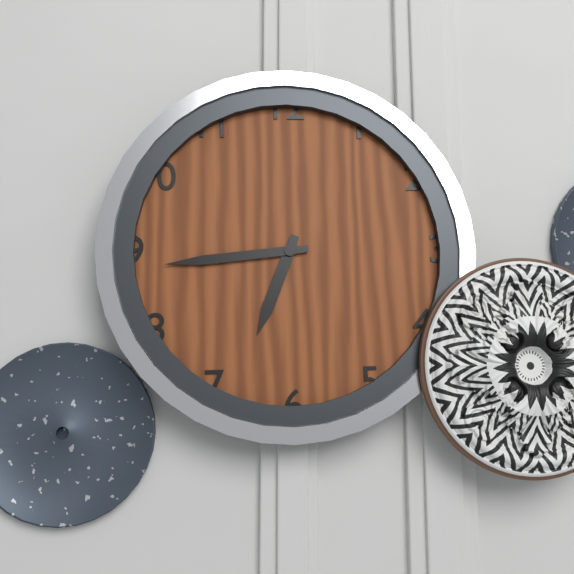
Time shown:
6.44
